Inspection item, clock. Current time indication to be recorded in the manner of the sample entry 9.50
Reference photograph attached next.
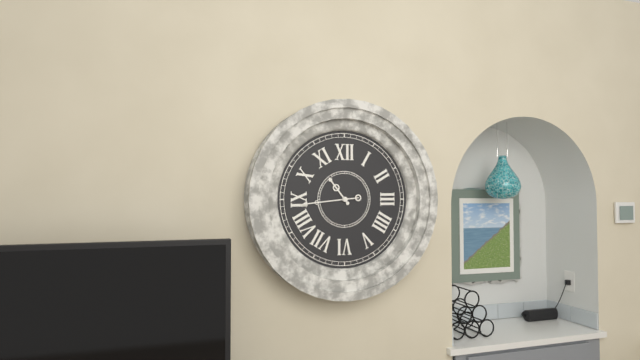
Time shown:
10.44
